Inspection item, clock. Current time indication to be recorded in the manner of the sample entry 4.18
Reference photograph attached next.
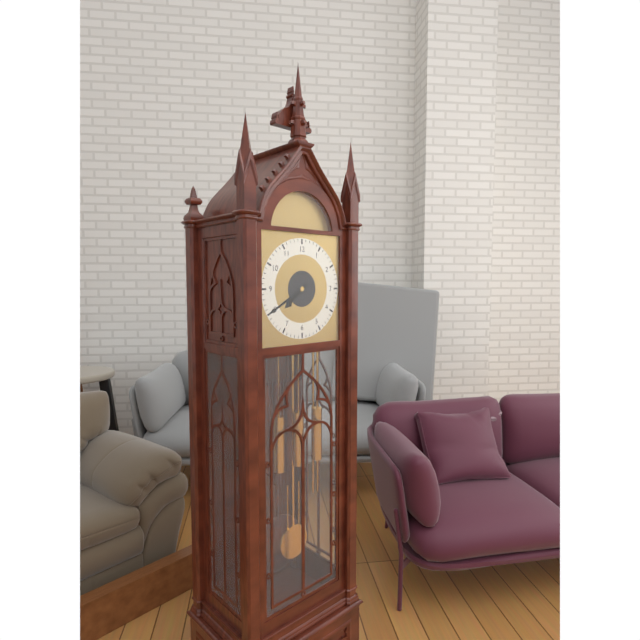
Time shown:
7.40
